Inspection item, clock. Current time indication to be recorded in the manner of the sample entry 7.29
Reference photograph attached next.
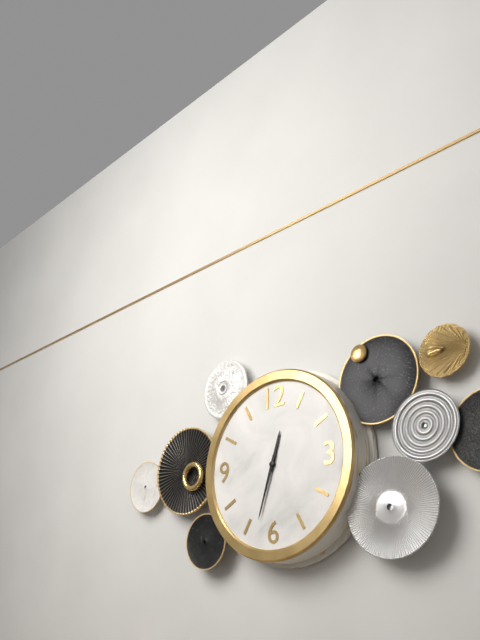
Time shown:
12.33
